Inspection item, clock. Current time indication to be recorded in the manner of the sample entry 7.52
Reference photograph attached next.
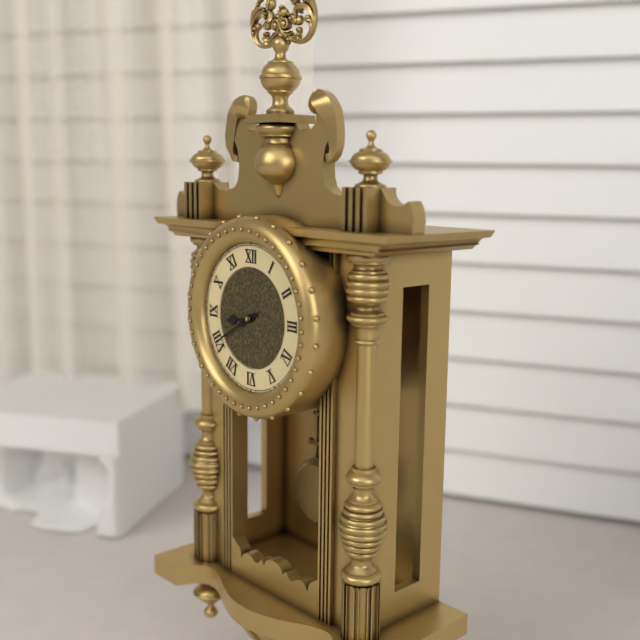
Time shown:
8.40
